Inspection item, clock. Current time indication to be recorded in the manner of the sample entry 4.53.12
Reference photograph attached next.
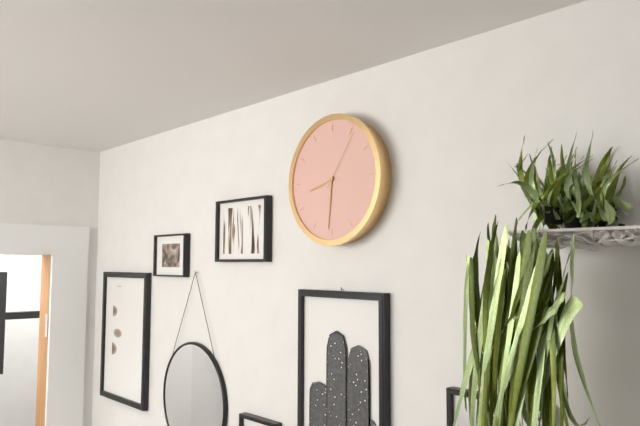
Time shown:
8.31.06
